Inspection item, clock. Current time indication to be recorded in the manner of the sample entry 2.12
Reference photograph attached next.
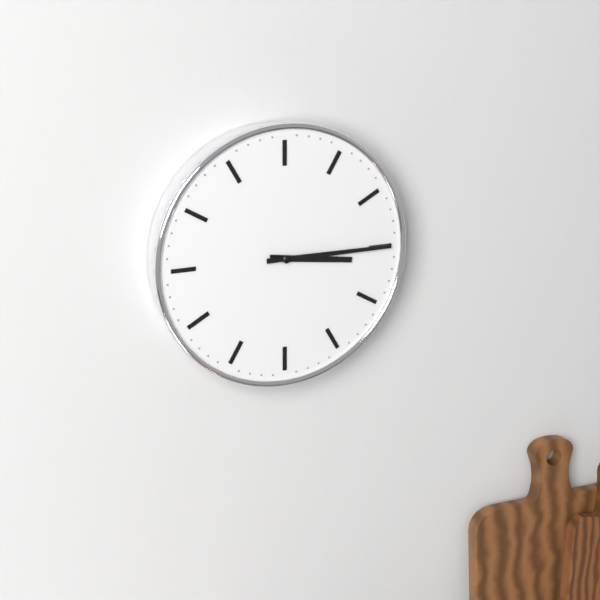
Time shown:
3.15
